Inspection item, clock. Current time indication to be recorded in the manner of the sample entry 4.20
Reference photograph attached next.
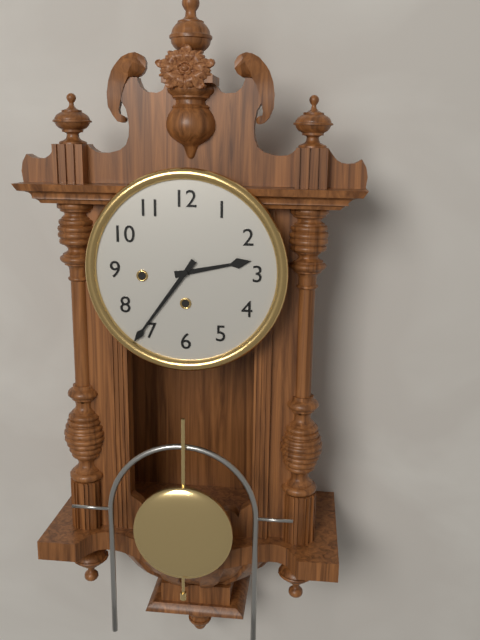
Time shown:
2.36
